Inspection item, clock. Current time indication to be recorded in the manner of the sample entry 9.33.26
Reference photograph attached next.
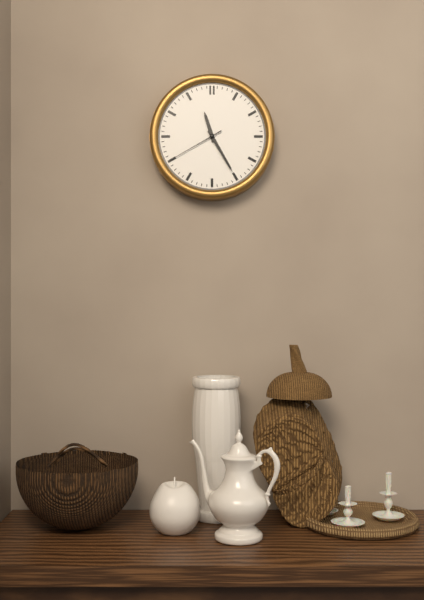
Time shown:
11.25.40
